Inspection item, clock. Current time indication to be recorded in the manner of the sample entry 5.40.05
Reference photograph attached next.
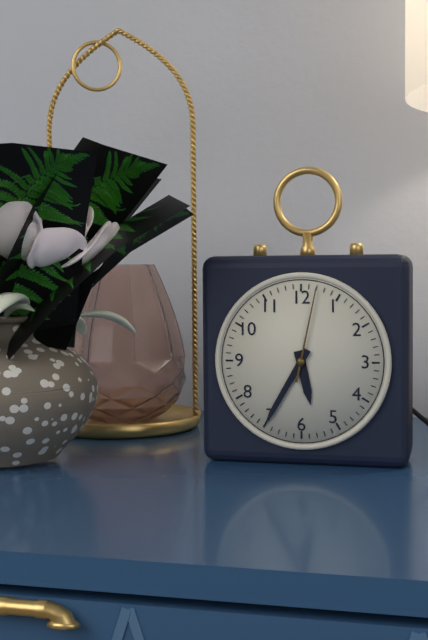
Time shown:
5.35.02
